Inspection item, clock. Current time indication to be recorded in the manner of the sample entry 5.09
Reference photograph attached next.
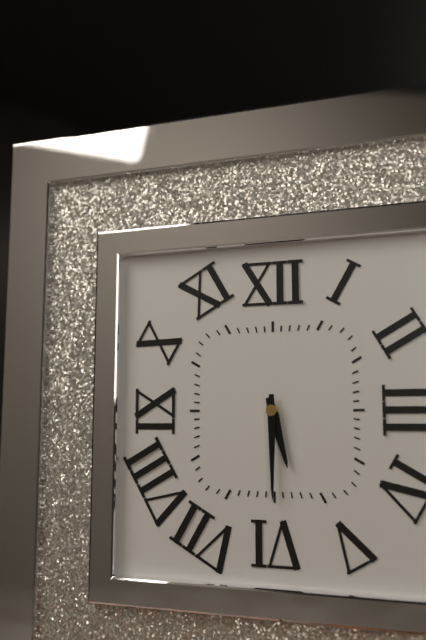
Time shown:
5.30
